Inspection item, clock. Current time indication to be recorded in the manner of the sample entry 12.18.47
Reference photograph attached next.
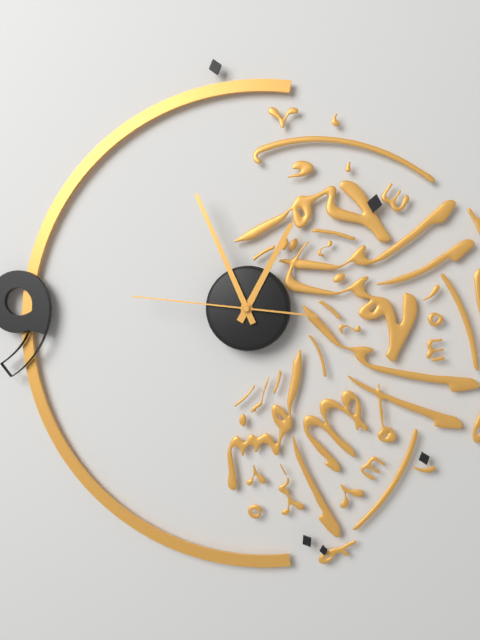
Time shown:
12.56.46
